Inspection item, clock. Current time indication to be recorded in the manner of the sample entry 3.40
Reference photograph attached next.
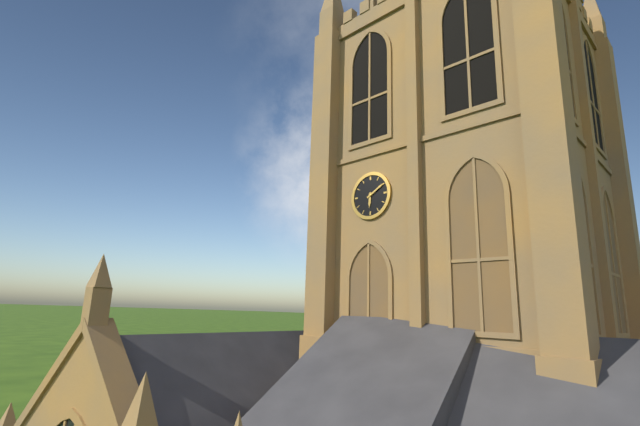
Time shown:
6.10
